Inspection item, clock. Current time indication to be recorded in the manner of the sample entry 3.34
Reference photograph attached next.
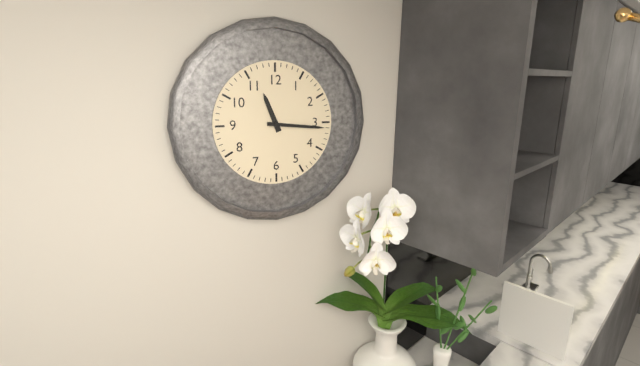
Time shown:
11.16
